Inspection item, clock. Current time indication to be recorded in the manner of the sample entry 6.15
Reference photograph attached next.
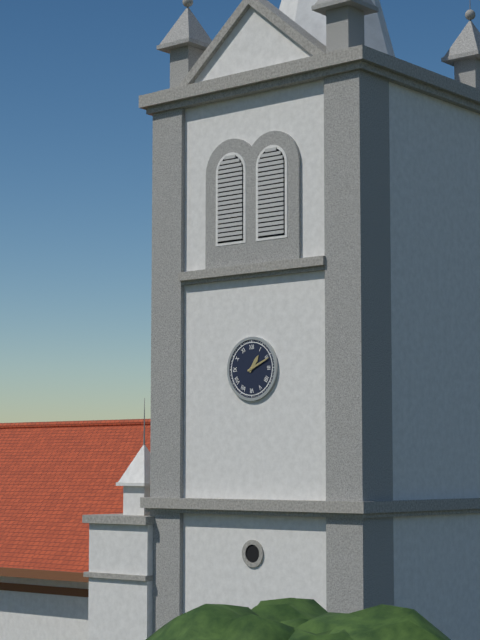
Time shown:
1.11
